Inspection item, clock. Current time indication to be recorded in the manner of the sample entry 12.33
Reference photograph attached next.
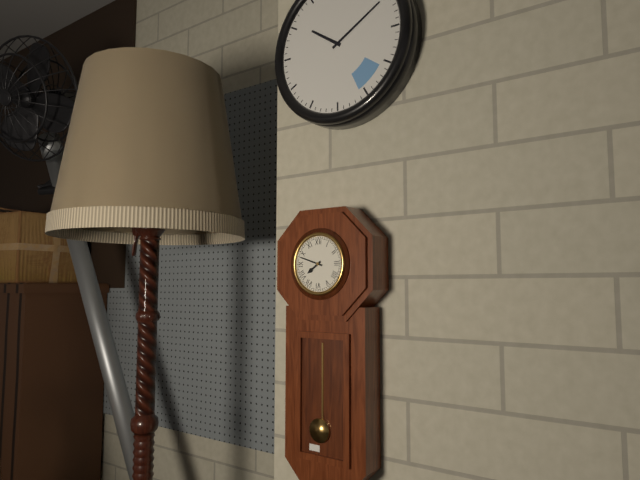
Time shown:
7.48
